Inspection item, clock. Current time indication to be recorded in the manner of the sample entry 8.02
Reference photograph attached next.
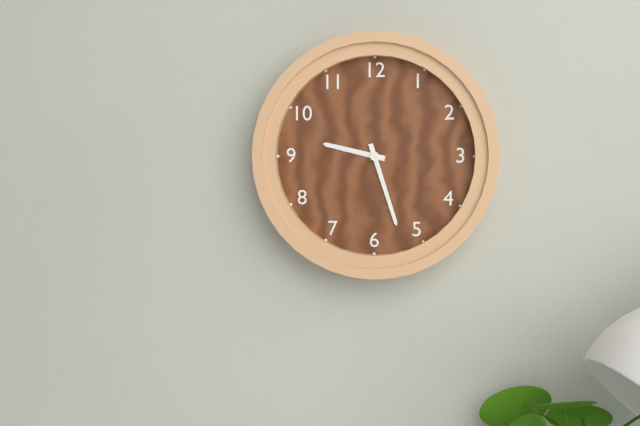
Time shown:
9.27
